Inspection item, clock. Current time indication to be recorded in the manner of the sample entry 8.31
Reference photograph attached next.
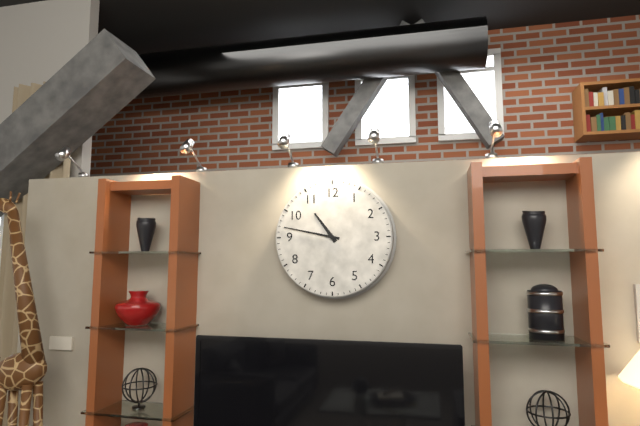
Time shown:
10.47
